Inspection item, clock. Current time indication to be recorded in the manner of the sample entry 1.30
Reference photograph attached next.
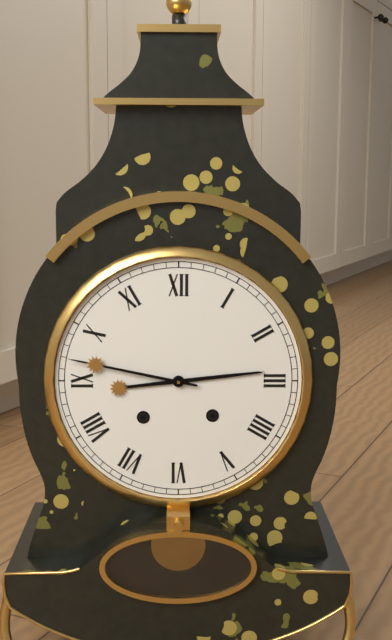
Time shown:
2.47
